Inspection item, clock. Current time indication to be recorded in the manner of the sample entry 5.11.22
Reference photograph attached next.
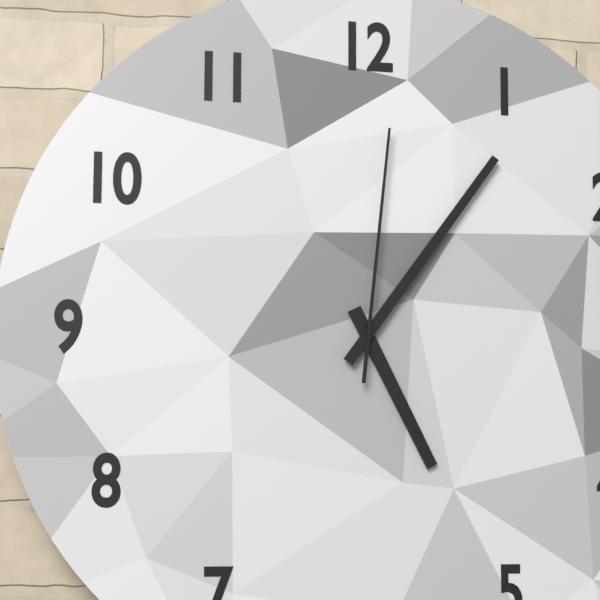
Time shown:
5.06.01
